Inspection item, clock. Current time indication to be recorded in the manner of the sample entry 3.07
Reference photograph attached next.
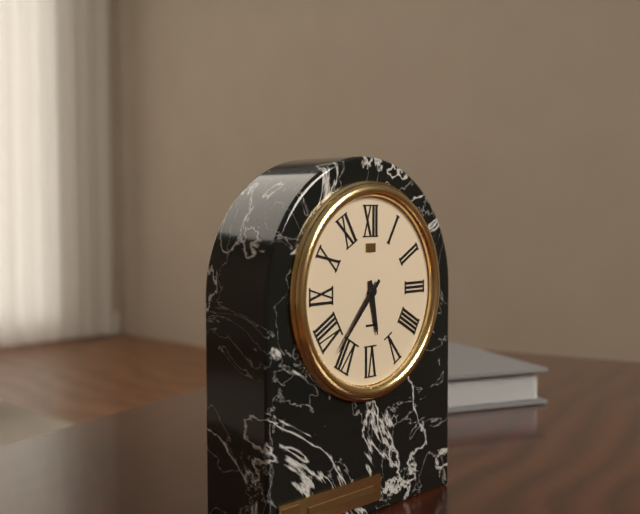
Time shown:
5.37
